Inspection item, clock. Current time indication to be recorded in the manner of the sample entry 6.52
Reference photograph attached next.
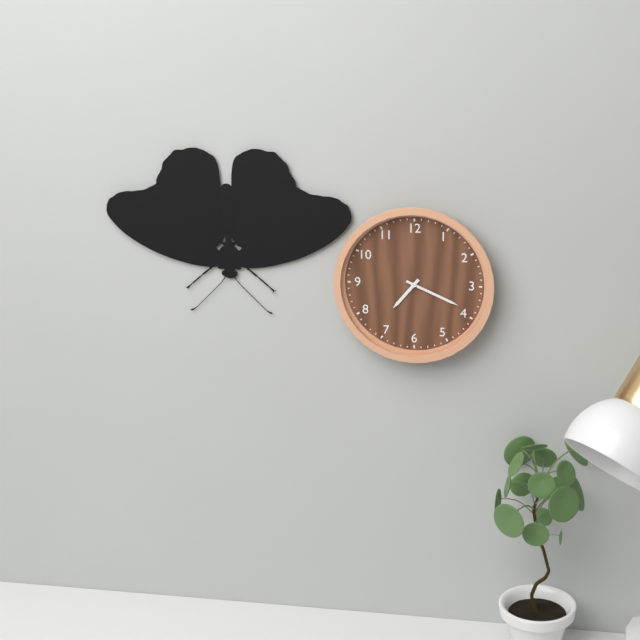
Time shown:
7.19
